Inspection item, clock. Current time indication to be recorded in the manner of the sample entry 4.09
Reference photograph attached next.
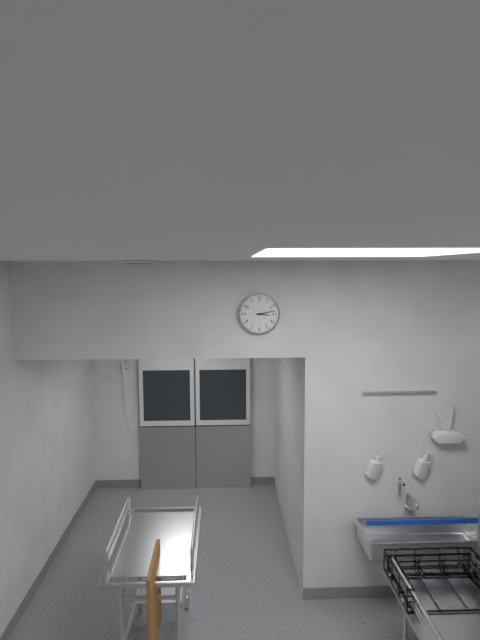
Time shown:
3.13
